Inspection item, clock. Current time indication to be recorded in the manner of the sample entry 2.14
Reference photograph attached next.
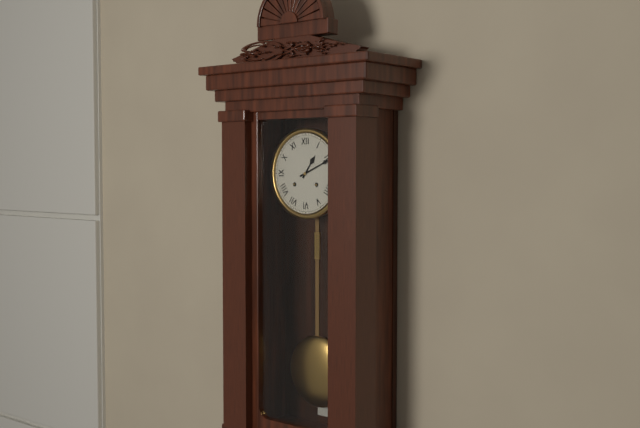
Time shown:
1.11
